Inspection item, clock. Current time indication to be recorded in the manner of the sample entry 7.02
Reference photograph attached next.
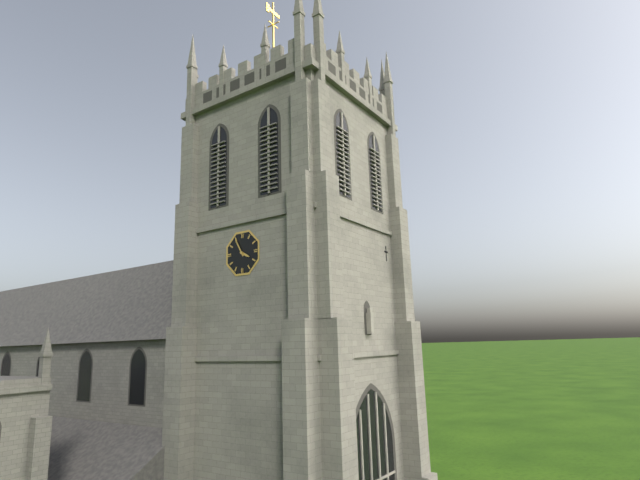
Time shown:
3.55
